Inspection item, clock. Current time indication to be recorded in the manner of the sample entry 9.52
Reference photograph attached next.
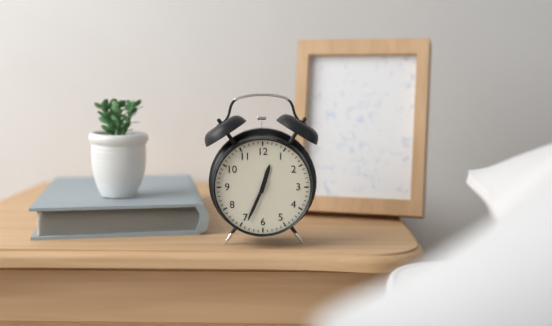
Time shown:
12.34
